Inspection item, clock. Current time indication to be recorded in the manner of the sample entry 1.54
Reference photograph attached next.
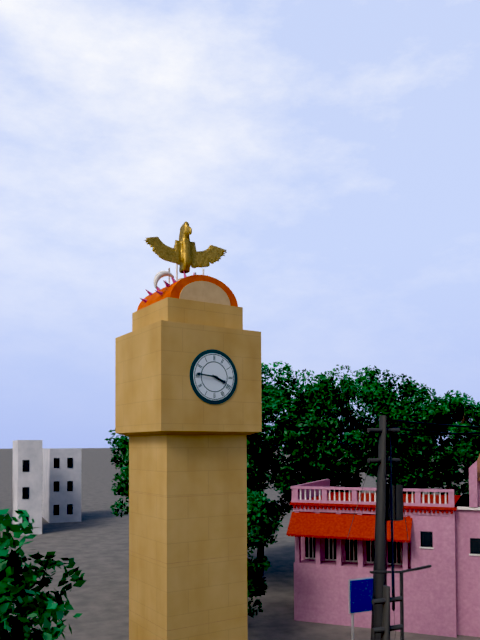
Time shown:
3.46
